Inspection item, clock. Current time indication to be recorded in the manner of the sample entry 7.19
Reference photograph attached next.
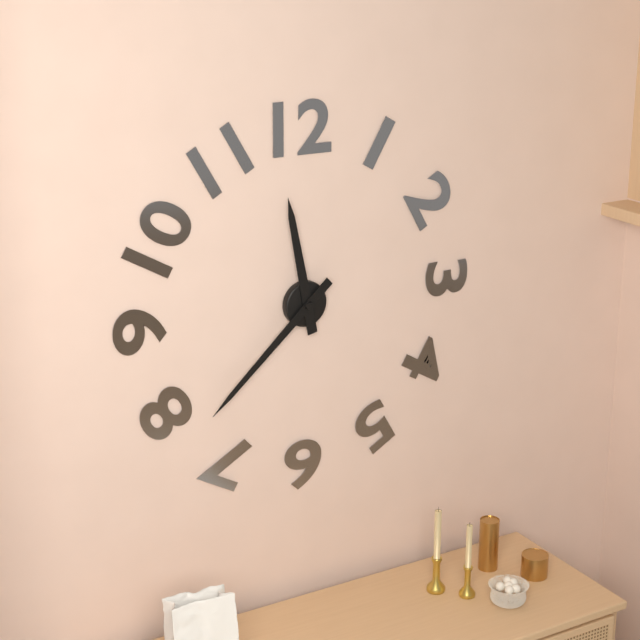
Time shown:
11.38
